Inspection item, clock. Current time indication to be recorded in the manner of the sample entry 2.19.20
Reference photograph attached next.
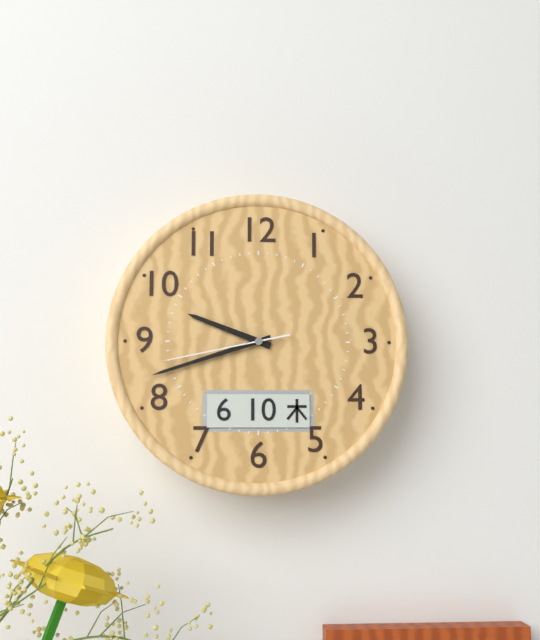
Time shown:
9.42.43
